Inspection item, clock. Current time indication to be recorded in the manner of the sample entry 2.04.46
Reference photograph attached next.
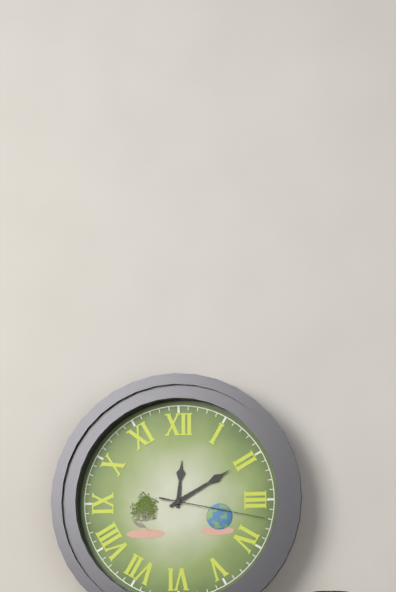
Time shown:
12.10.17
